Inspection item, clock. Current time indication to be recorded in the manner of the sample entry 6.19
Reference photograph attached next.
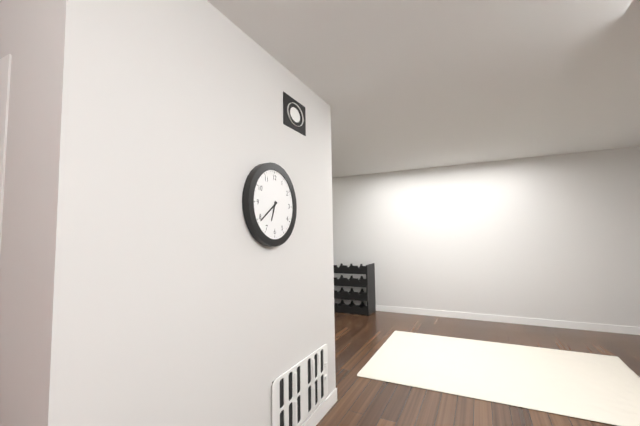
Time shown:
6.39
